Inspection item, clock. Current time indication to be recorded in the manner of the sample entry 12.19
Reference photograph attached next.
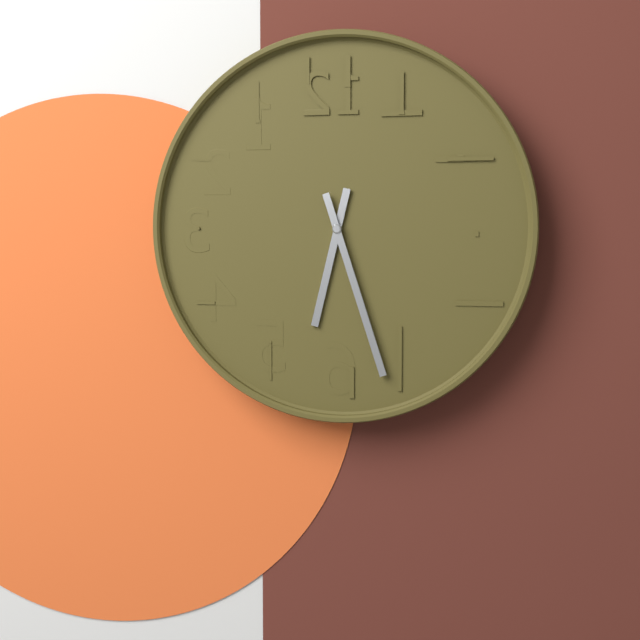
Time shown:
6.27
